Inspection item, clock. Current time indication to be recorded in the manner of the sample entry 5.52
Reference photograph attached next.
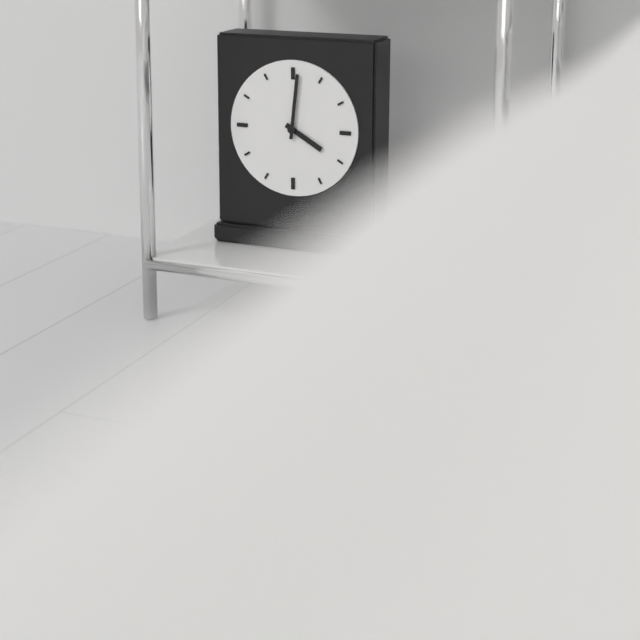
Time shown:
4.01
